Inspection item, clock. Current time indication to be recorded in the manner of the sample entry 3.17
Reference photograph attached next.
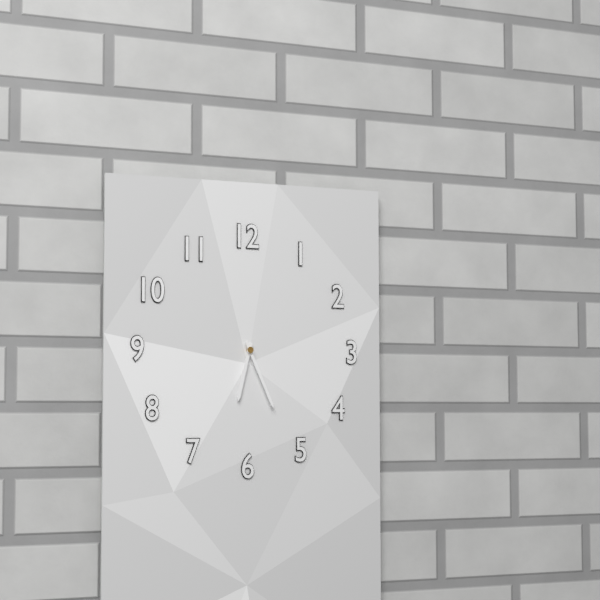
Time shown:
6.26
